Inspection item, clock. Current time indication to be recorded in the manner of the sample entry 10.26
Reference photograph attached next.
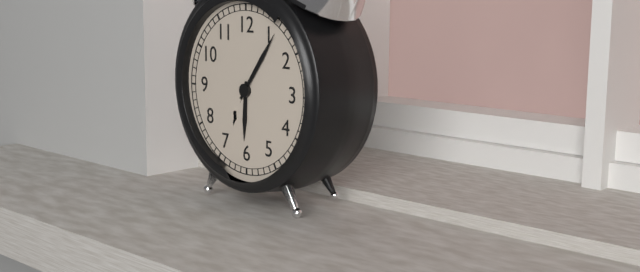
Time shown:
6.06
